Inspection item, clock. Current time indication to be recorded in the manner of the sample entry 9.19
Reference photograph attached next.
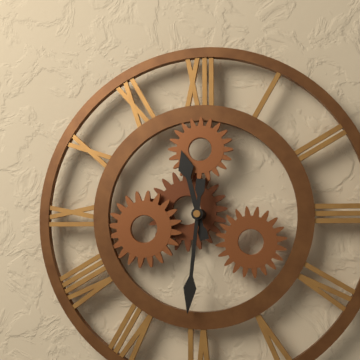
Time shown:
11.31
